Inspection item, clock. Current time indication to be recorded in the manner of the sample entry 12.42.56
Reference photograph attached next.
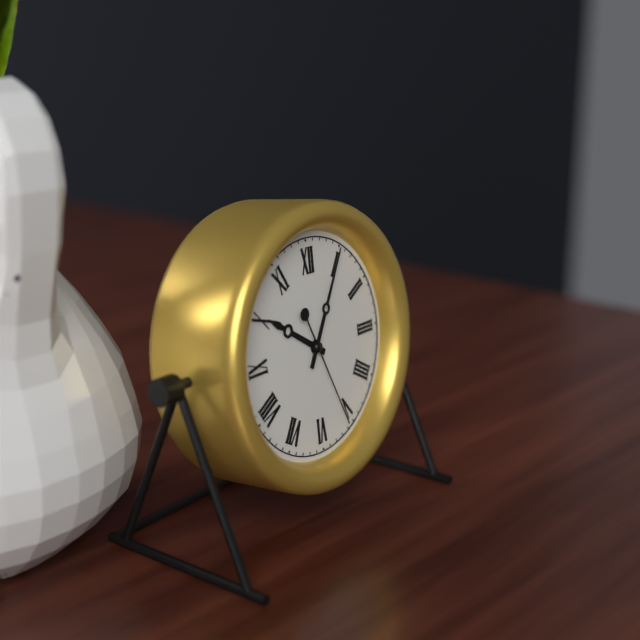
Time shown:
10.05.26
